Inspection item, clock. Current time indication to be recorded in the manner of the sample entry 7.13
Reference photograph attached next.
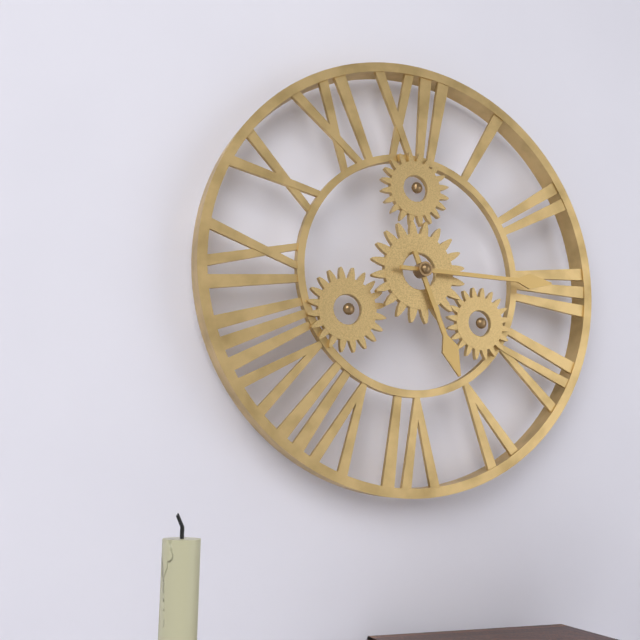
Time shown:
5.15
